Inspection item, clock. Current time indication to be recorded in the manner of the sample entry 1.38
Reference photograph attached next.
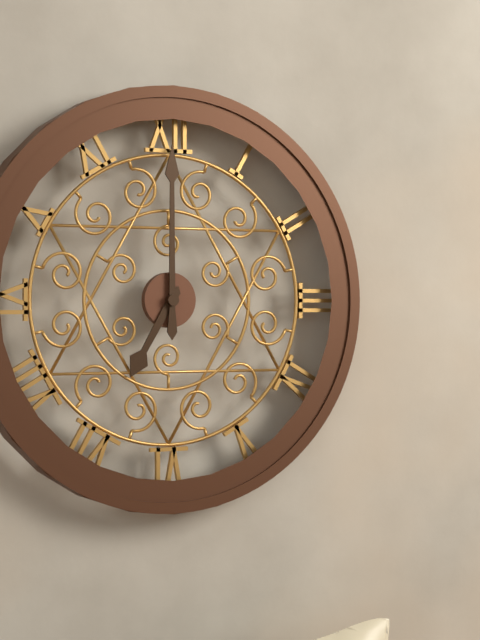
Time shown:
7.00
